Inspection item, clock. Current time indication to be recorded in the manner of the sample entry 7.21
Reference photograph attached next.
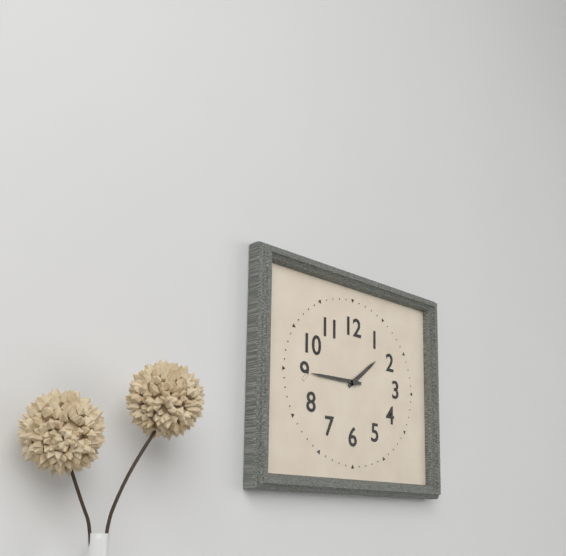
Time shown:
1.45
